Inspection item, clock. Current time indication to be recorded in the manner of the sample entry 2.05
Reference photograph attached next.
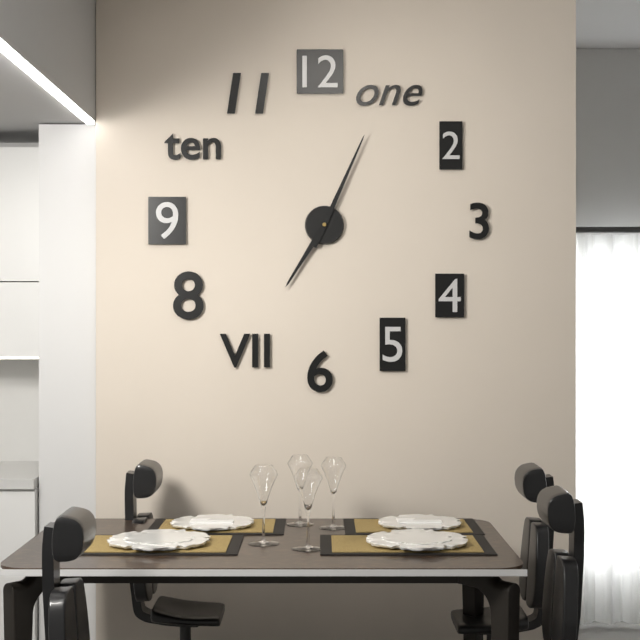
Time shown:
7.04
